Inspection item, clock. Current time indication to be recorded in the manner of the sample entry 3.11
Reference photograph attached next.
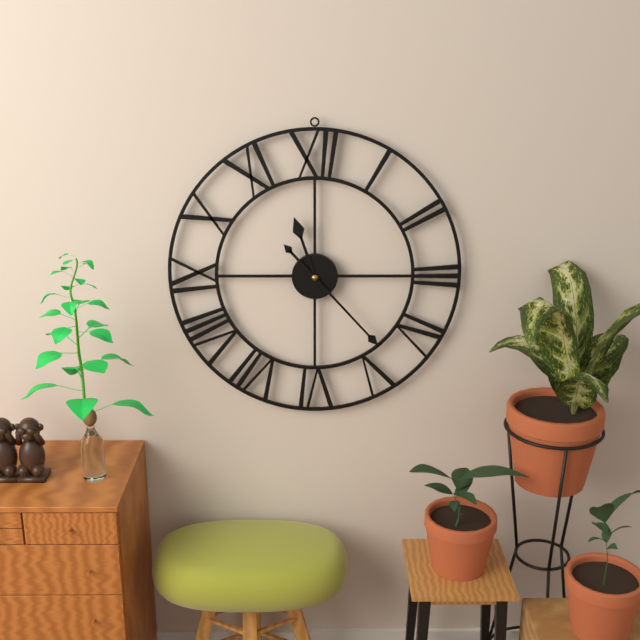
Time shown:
11.23
